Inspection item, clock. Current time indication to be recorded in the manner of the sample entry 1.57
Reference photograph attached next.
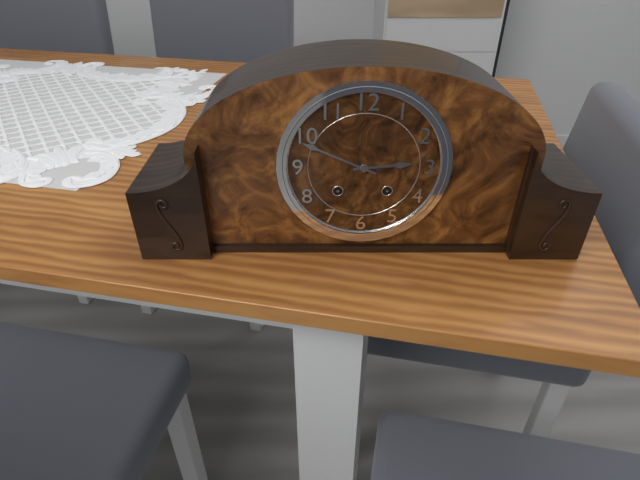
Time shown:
2.49
